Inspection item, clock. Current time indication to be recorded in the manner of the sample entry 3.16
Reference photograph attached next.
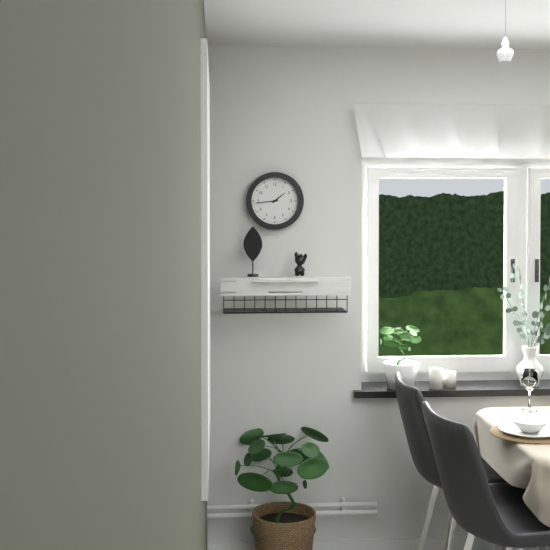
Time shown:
1.44
